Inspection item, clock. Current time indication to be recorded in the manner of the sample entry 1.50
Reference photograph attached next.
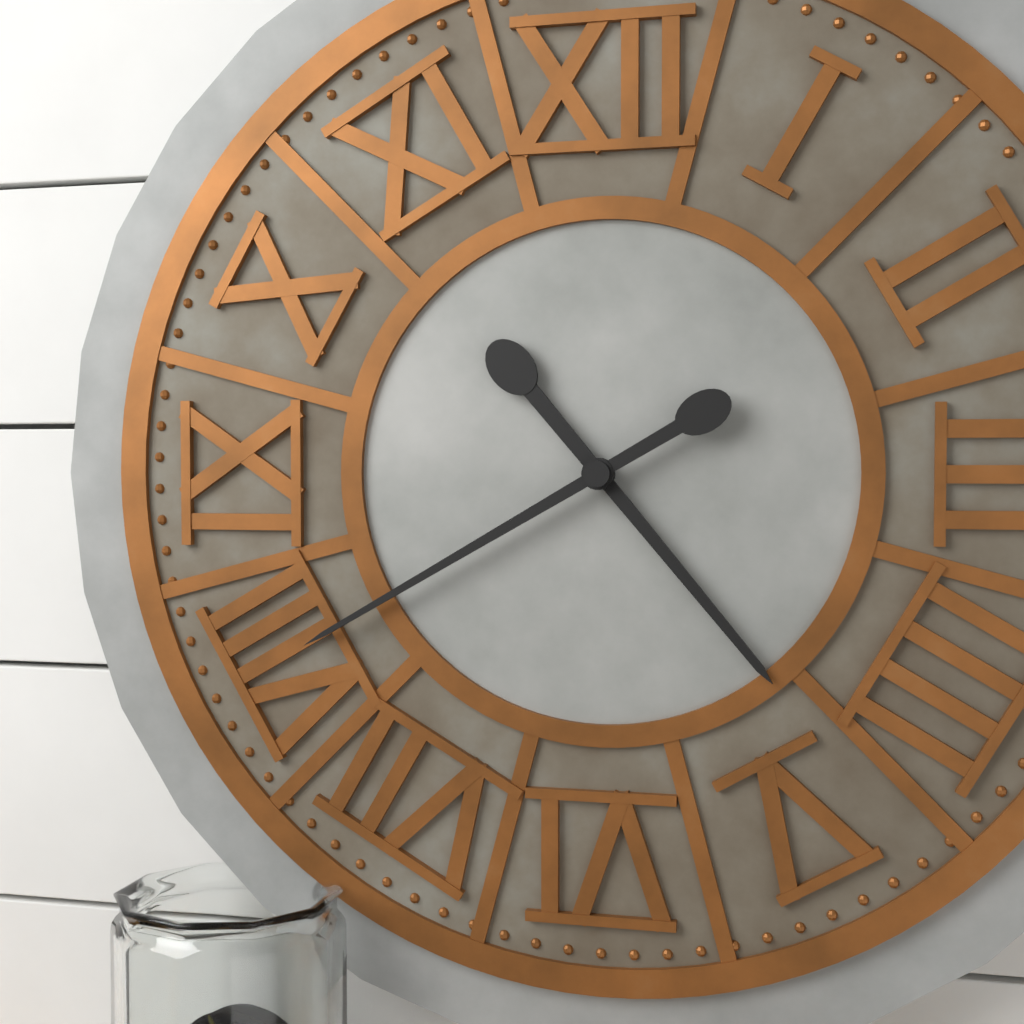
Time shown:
4.40
